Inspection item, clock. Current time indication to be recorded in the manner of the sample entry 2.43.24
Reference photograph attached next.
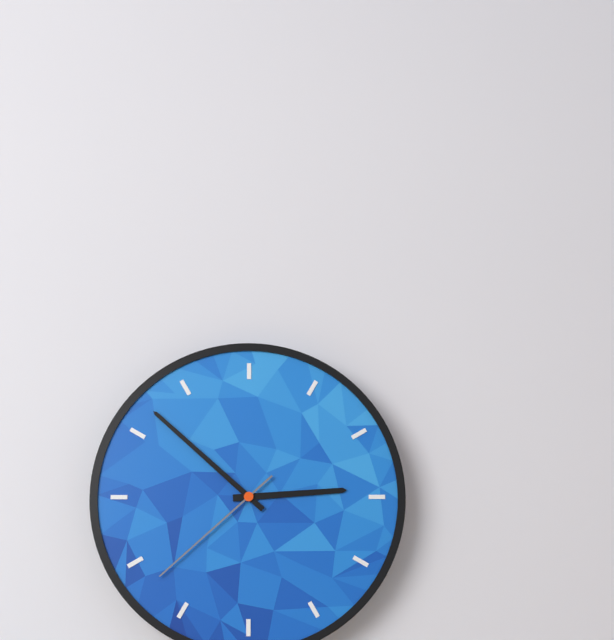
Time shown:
2.52.38
